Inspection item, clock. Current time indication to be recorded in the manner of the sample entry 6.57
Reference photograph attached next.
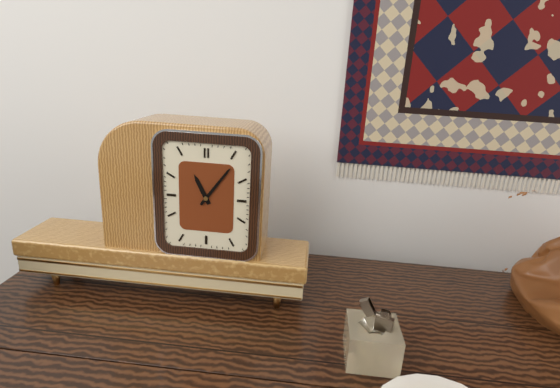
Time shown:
11.06
